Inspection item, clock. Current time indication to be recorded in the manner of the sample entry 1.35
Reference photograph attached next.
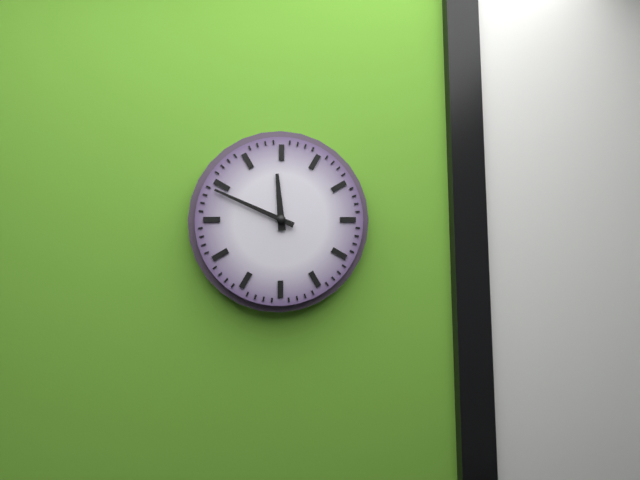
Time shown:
11.49
